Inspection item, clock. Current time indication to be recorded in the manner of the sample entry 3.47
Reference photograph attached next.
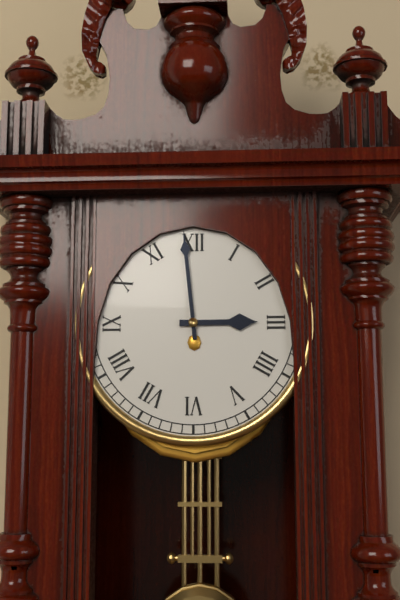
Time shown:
2.59
